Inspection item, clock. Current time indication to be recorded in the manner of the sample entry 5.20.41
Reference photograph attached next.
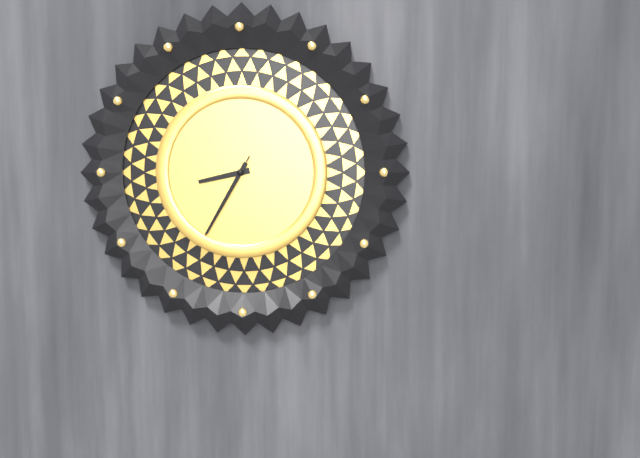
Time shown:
8.35.35
